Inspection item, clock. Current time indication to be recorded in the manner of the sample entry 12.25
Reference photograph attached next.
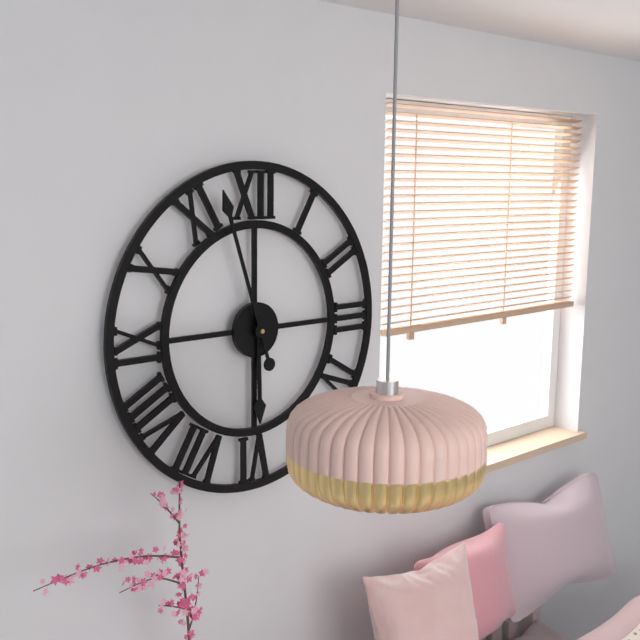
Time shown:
5.57
